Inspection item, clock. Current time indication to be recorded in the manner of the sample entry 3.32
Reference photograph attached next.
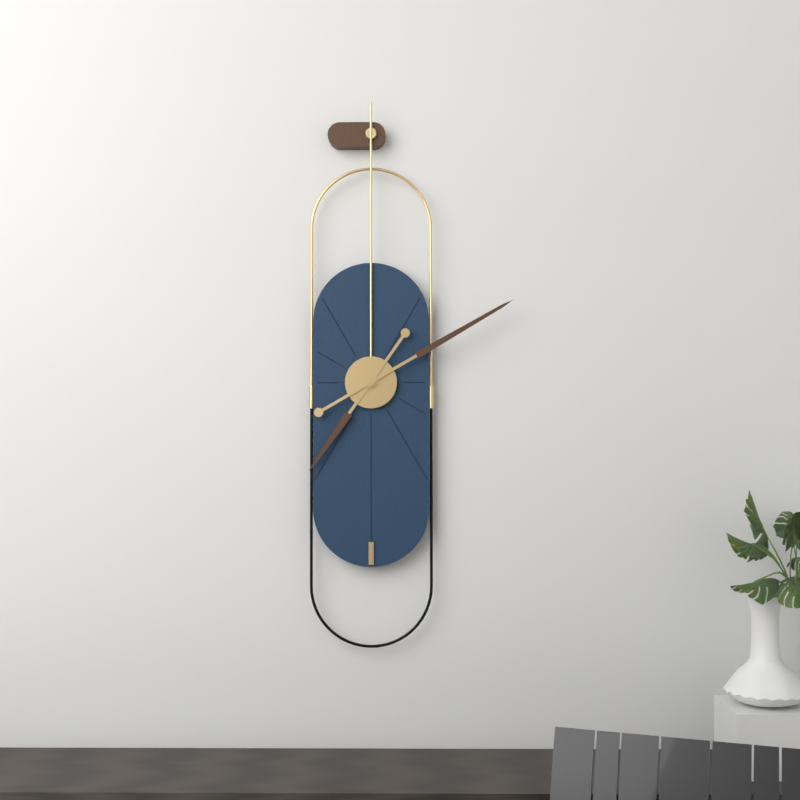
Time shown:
7.10
